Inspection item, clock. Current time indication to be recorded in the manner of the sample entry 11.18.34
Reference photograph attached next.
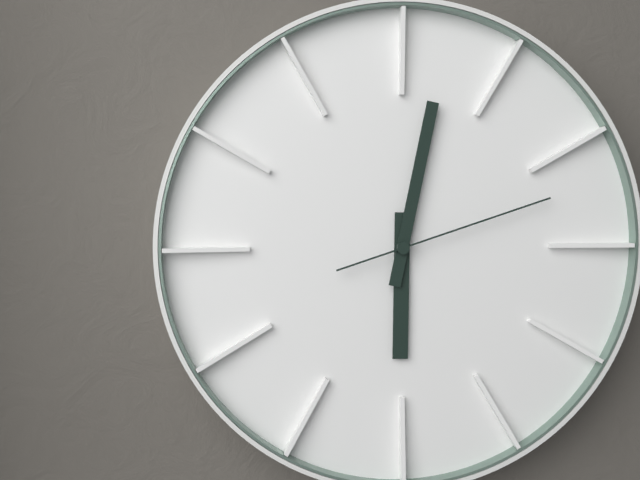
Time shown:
6.02.12
